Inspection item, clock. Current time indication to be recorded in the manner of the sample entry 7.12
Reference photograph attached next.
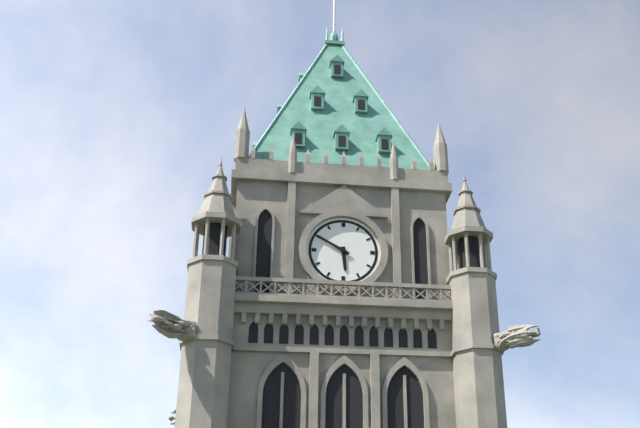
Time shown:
5.50
